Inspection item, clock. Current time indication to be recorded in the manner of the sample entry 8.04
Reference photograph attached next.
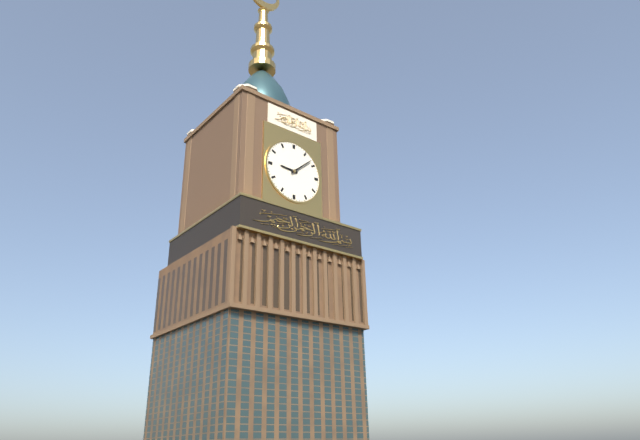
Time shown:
9.08
